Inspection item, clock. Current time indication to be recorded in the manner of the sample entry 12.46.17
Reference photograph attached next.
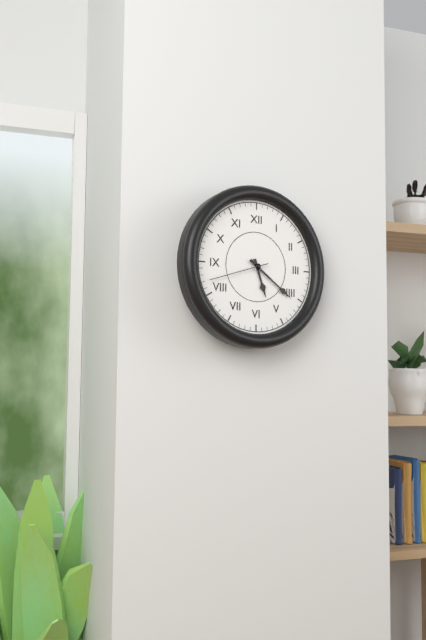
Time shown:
5.21.42
